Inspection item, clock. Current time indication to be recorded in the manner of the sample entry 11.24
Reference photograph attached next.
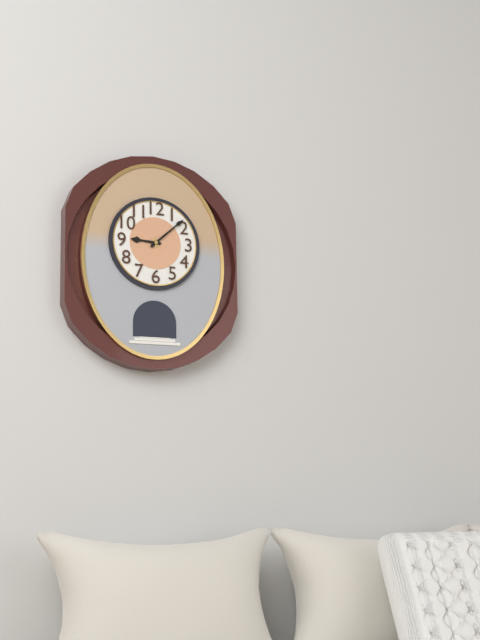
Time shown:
9.08
